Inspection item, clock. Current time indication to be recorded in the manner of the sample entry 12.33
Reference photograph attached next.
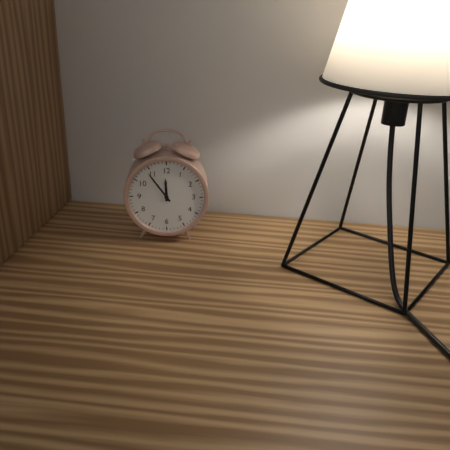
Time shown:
11.54
